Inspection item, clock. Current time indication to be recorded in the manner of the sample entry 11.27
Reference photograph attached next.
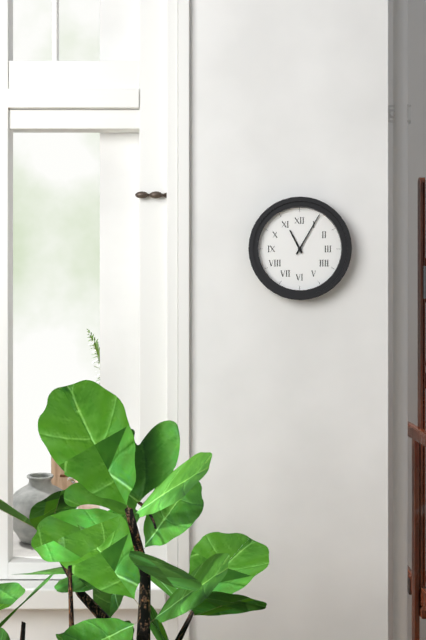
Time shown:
11.05
